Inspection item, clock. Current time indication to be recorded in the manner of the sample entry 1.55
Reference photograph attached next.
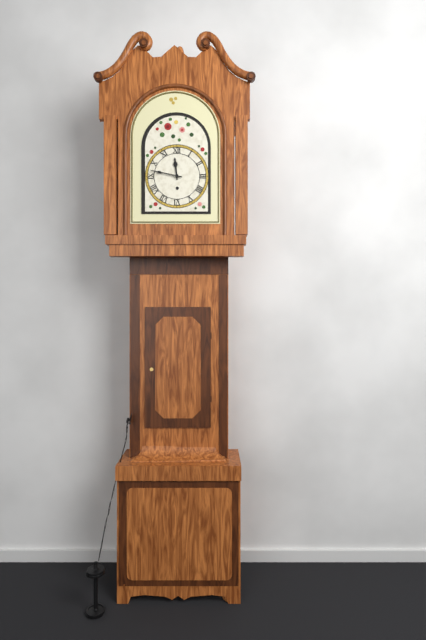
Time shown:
11.47
